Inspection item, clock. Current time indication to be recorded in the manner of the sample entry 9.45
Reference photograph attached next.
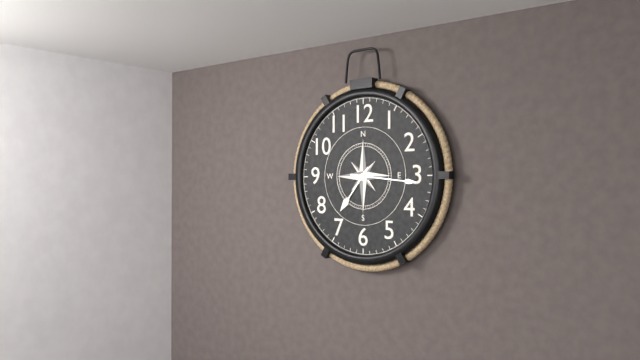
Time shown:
7.16
